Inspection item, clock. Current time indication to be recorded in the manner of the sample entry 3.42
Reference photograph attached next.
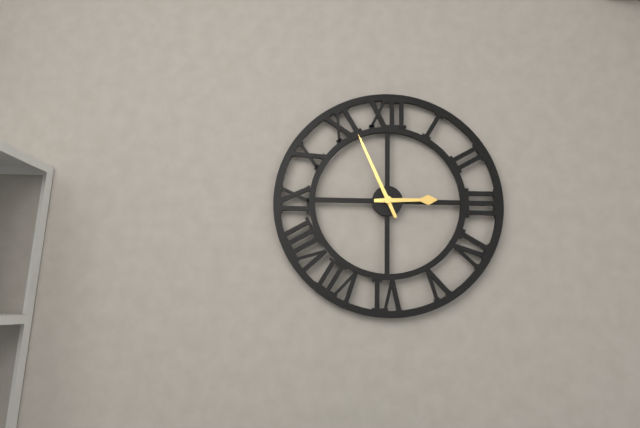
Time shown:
2.56
